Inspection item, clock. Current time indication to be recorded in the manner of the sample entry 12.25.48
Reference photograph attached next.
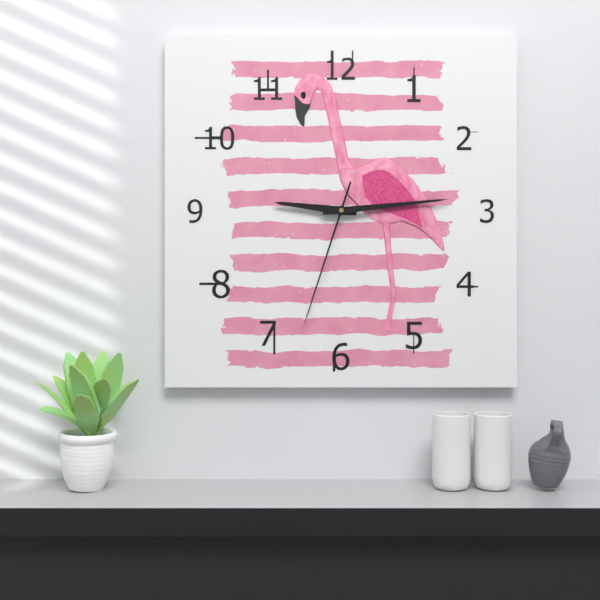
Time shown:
9.14.33
